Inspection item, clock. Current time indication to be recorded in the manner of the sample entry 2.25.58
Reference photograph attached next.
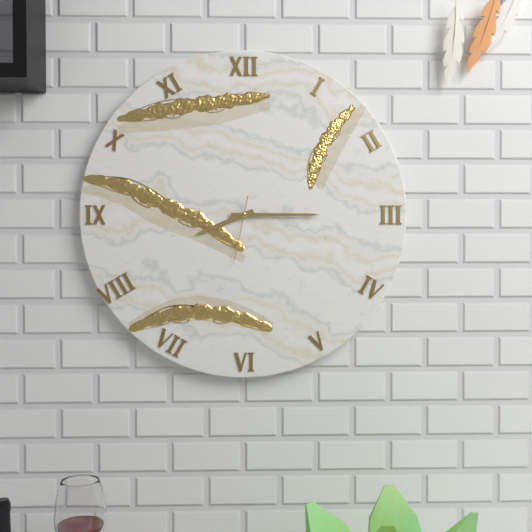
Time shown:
8.15.32
